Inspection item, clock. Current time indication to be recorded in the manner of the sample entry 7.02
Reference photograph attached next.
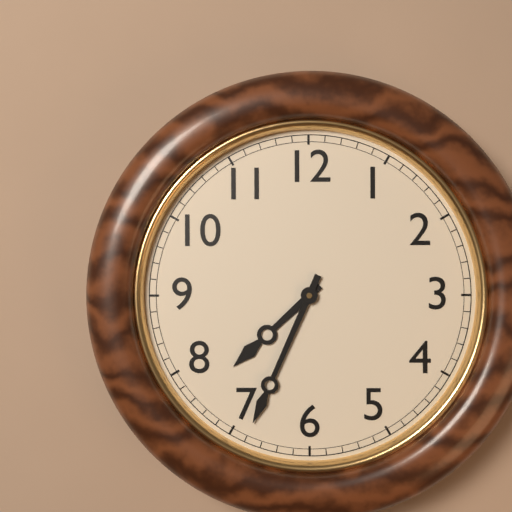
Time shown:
7.34
